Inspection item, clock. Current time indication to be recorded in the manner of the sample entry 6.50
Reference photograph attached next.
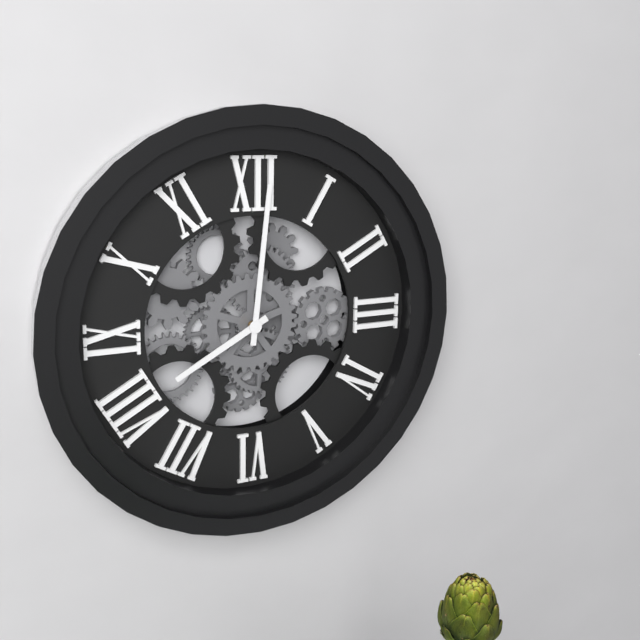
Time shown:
8.01
